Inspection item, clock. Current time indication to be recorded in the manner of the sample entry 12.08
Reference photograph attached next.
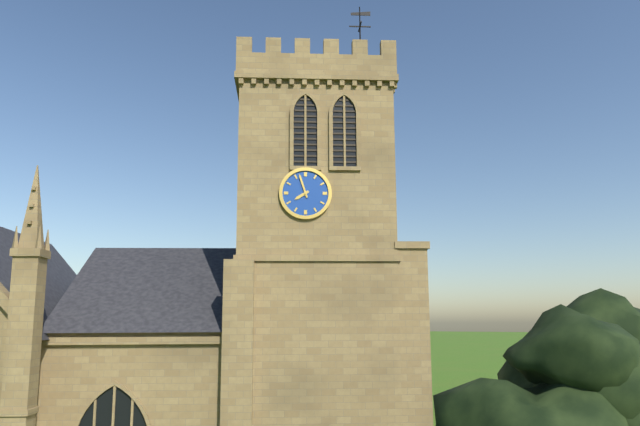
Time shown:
7.57
